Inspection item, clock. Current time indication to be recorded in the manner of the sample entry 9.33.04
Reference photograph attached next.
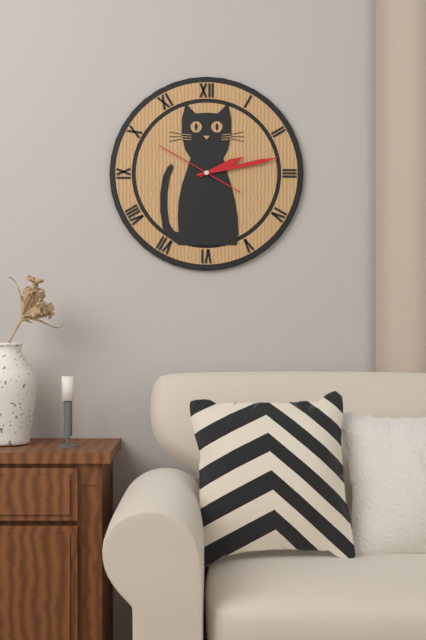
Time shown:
2.13.50
